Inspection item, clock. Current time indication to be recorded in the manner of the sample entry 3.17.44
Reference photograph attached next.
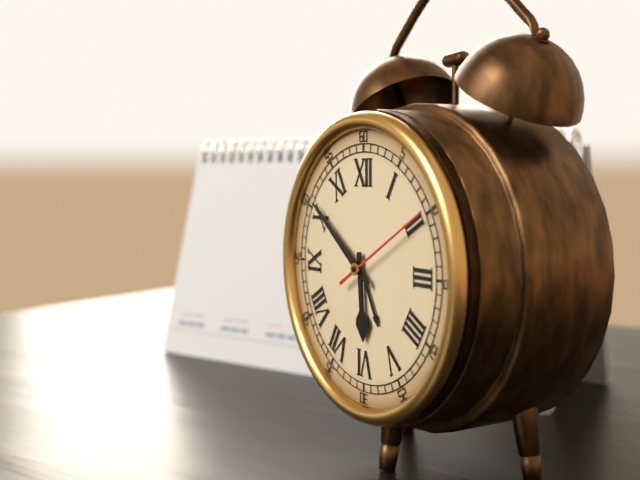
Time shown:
5.51.10
